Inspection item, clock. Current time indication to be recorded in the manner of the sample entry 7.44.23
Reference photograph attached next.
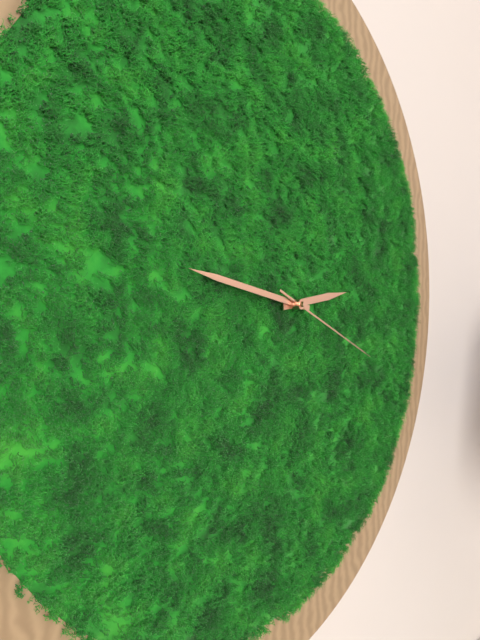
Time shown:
2.47.19
